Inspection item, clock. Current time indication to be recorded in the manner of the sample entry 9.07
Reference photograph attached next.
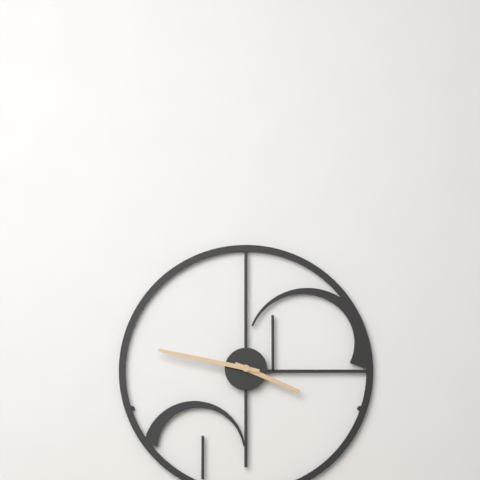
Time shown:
3.47
